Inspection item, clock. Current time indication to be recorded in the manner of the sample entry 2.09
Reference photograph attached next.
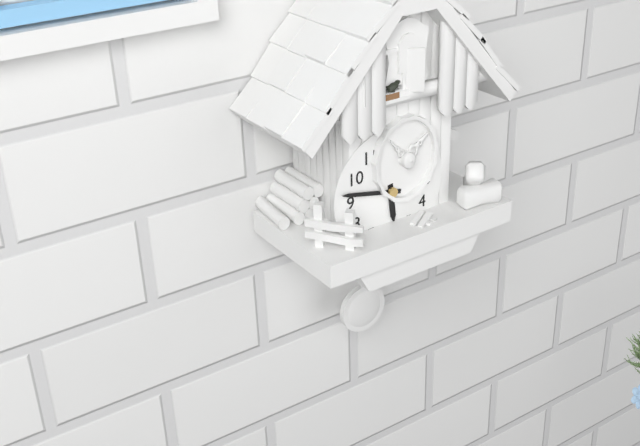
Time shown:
5.47
